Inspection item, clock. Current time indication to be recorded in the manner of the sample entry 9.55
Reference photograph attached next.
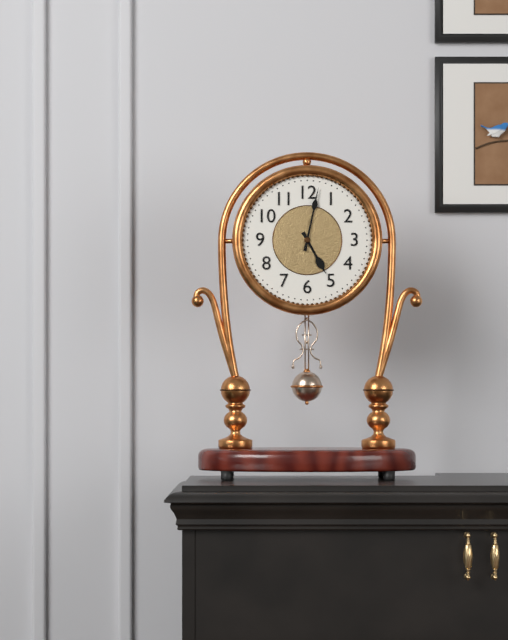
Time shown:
5.02
